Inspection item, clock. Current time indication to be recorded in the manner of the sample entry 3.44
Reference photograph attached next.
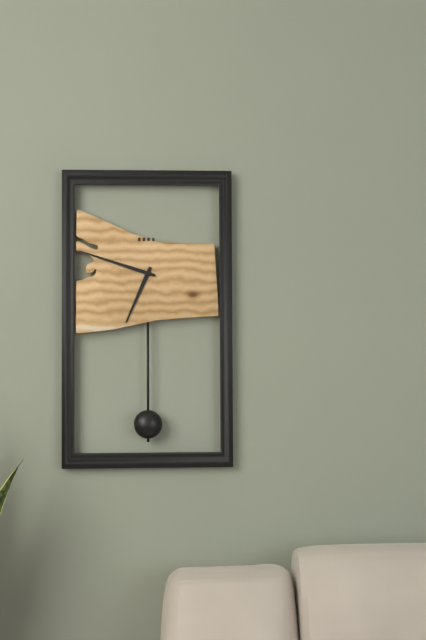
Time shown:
6.48
